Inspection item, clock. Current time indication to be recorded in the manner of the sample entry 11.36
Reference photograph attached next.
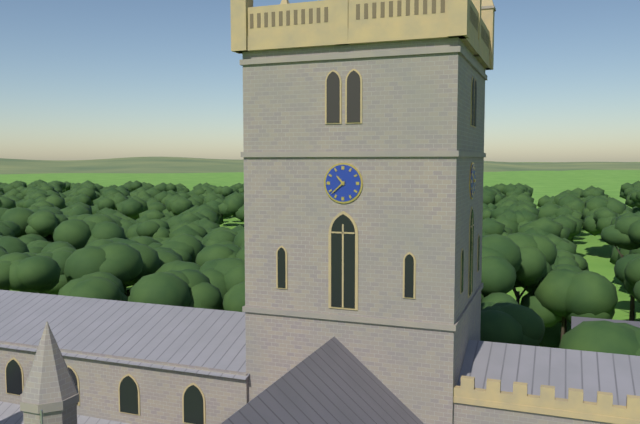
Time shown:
10.38
